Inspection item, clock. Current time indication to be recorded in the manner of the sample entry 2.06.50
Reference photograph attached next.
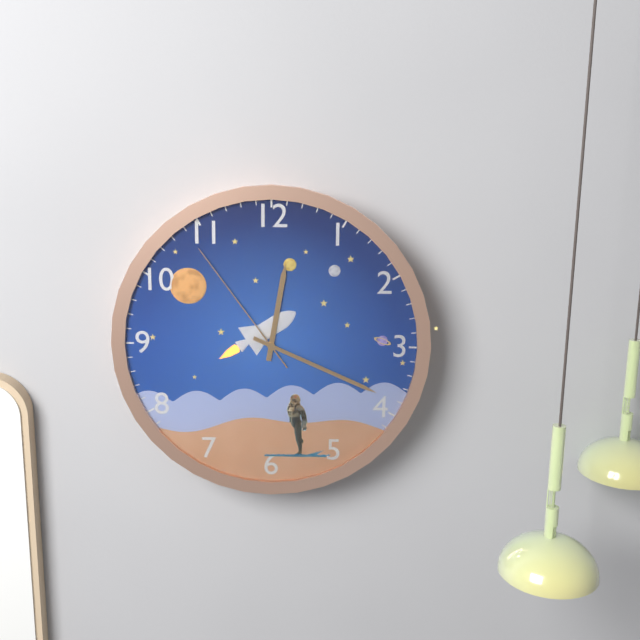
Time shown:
12.19.54
